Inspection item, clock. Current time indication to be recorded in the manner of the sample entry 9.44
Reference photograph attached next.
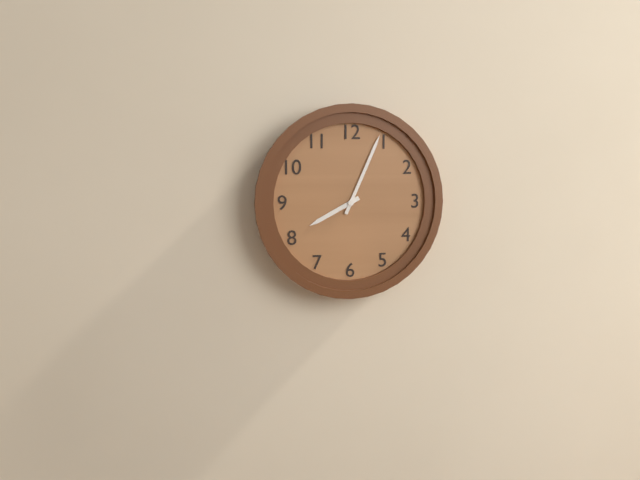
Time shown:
8.04
